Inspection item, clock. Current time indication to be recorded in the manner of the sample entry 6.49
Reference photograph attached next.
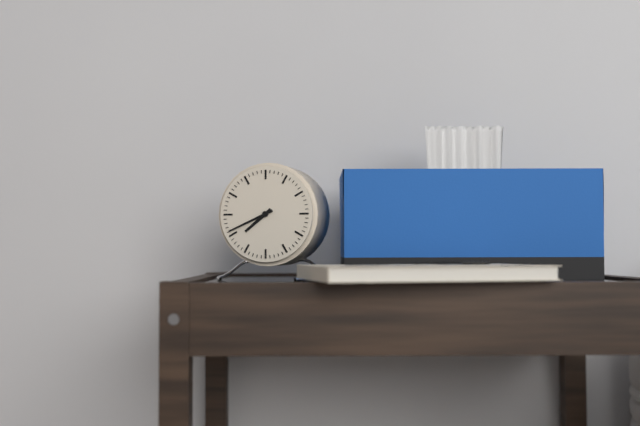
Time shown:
7.41
